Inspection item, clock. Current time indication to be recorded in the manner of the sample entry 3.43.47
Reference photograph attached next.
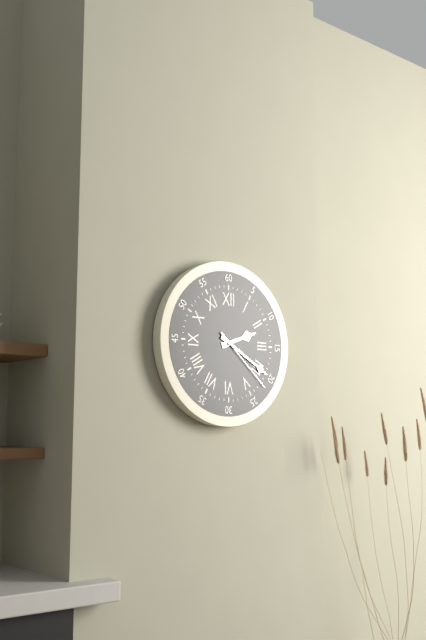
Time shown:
2.20.22
